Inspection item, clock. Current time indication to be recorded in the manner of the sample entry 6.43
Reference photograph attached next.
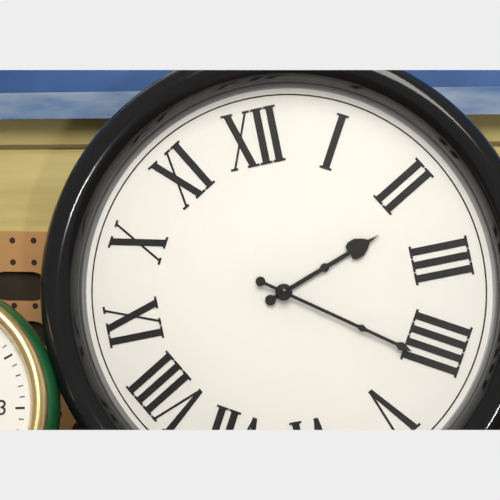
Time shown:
2.21
